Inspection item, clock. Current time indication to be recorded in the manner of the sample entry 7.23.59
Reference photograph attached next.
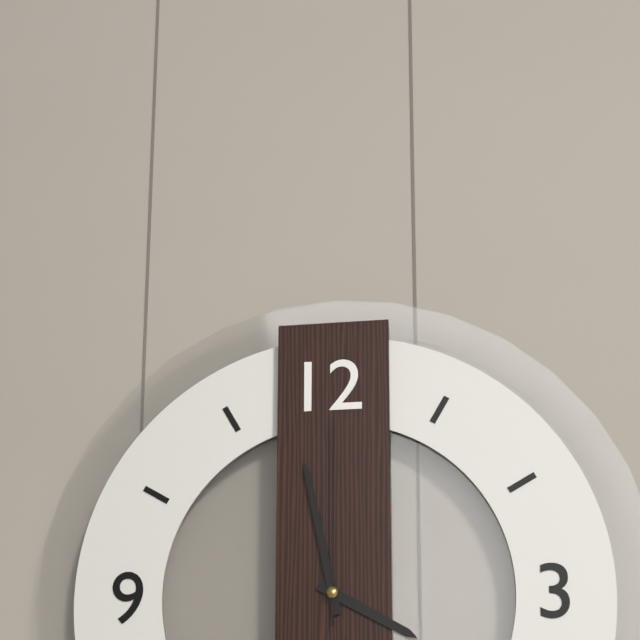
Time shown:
3.58.00
